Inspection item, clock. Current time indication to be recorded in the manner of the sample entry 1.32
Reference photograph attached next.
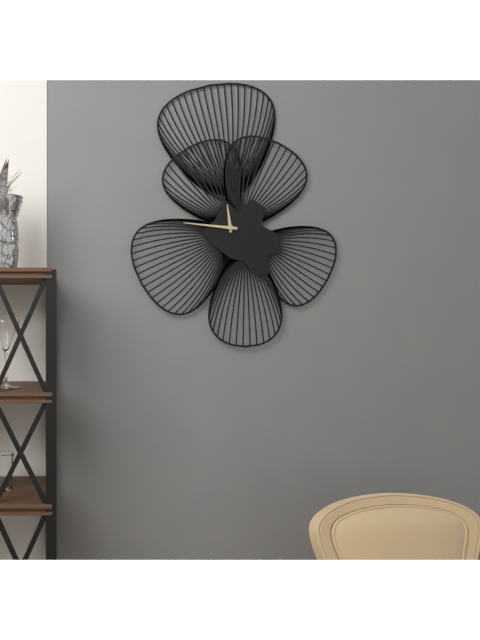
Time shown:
11.46
